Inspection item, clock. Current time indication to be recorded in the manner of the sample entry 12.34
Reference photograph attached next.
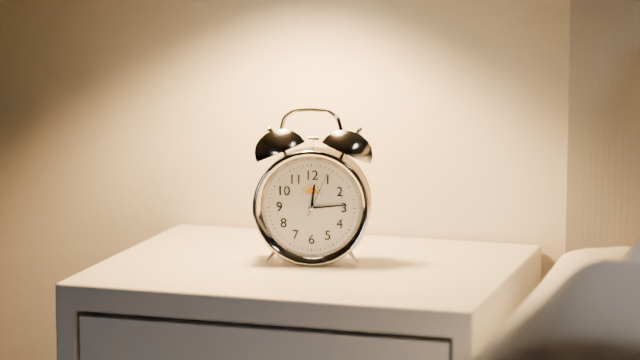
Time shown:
12.14
